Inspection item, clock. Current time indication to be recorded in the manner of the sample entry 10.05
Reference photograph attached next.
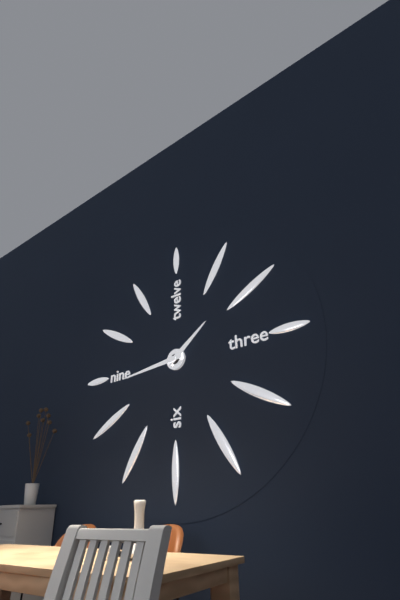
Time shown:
1.44
